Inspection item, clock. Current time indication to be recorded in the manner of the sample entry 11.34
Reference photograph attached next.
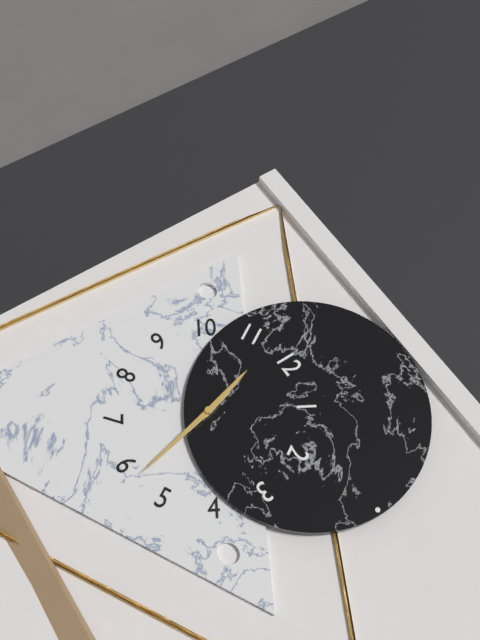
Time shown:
11.28
